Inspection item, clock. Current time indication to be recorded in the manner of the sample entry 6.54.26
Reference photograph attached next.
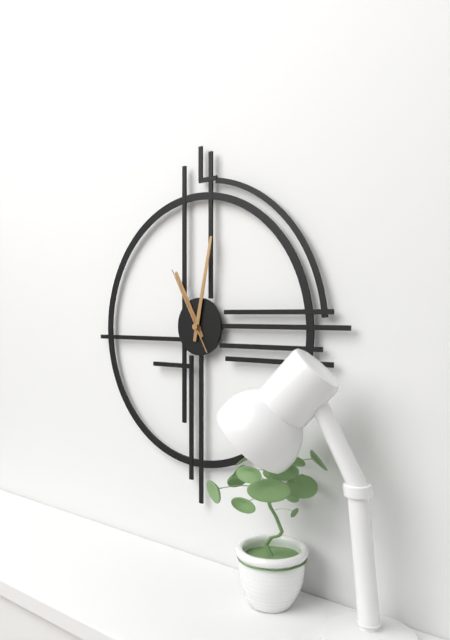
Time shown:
11.02.55
